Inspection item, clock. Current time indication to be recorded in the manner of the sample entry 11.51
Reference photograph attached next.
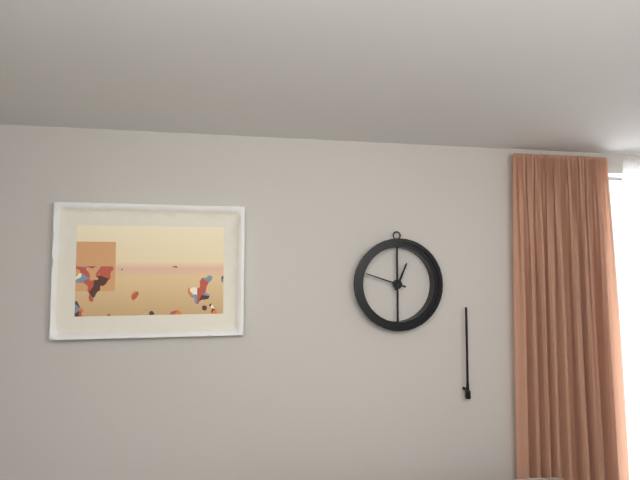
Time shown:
12.48
